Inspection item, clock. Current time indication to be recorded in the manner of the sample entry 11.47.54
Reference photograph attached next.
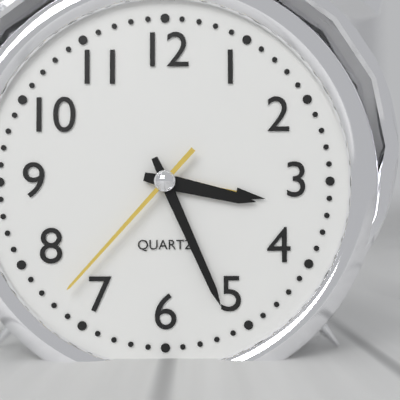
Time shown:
3.26.37
